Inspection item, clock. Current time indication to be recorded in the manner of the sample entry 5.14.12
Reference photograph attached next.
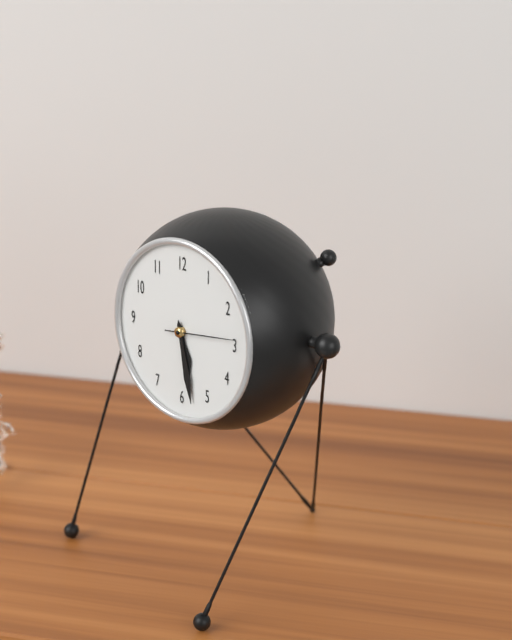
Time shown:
5.28.14
